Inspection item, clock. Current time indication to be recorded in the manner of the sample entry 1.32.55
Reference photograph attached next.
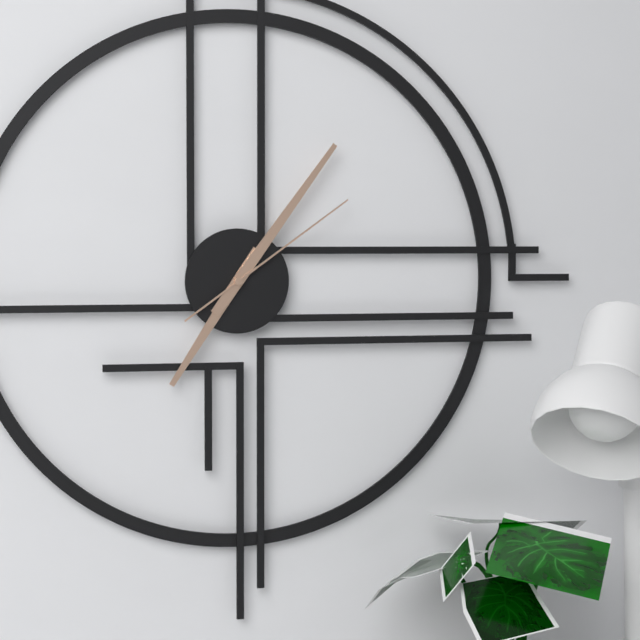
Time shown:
7.06.09
